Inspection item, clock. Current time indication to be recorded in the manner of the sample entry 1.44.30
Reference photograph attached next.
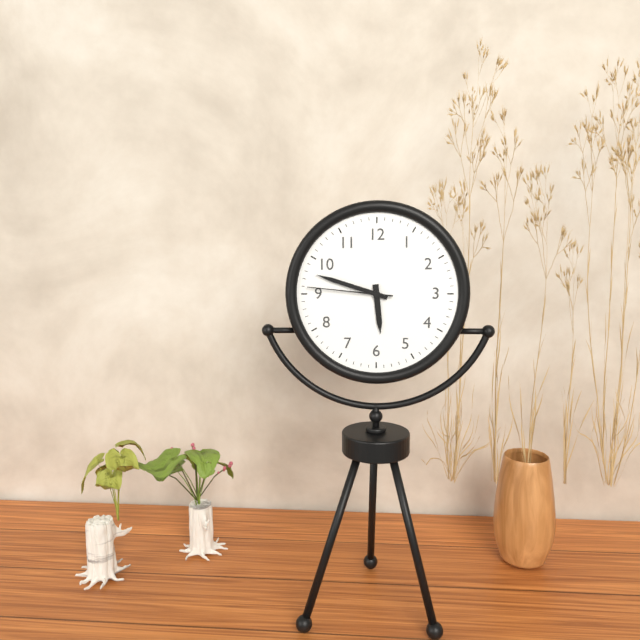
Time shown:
5.48.46
